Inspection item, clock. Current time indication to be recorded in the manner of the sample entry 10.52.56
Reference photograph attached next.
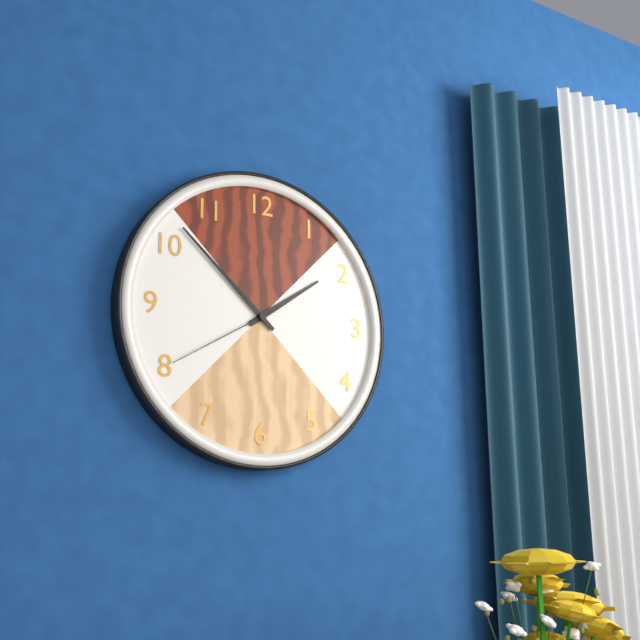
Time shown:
1.52.40
